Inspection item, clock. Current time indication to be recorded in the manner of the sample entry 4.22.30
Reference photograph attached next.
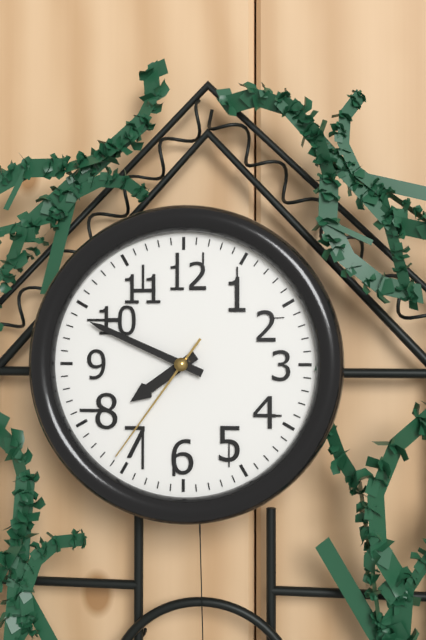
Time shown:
7.49.36
